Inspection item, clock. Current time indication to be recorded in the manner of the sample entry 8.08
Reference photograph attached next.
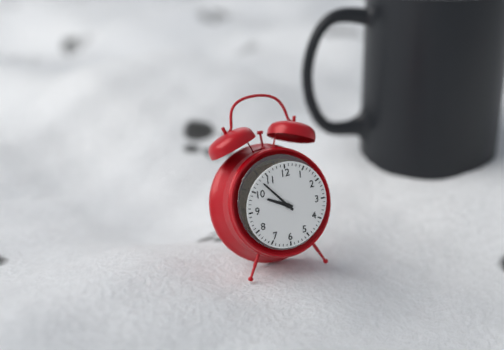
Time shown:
9.53
